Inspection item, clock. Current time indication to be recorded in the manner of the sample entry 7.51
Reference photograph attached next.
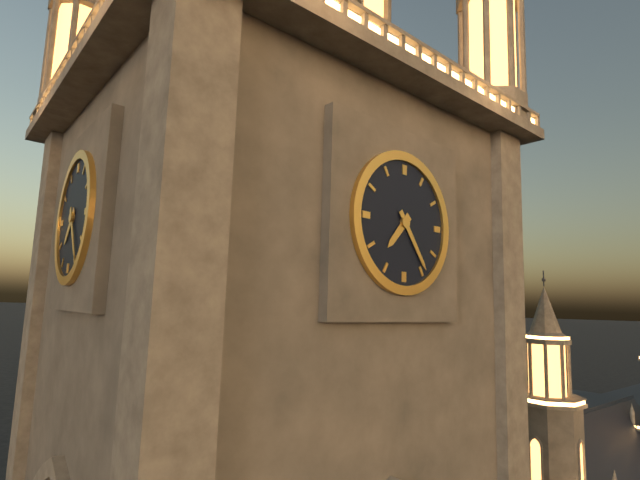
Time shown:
7.24
